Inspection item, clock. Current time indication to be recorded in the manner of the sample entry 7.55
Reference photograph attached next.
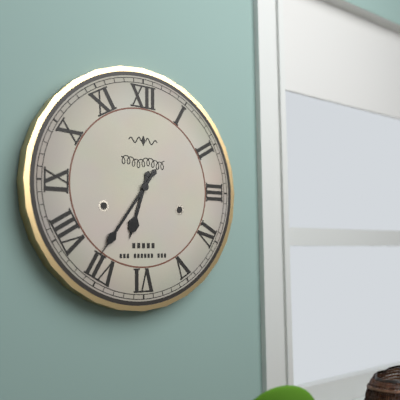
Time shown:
6.36
